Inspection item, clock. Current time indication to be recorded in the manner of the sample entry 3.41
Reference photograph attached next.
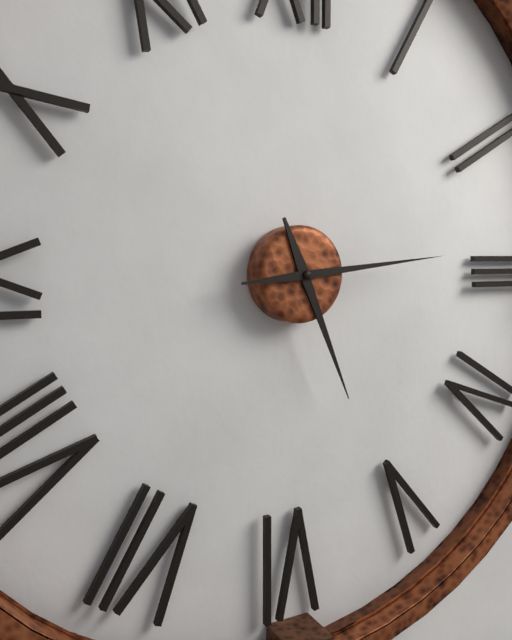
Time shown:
5.14
